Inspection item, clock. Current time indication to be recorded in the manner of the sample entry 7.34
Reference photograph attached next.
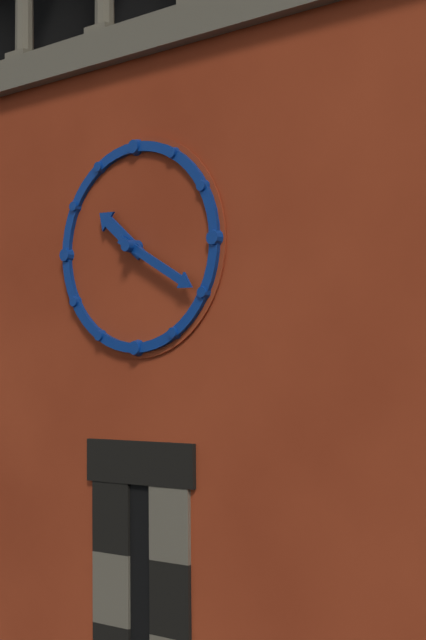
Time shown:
10.20
